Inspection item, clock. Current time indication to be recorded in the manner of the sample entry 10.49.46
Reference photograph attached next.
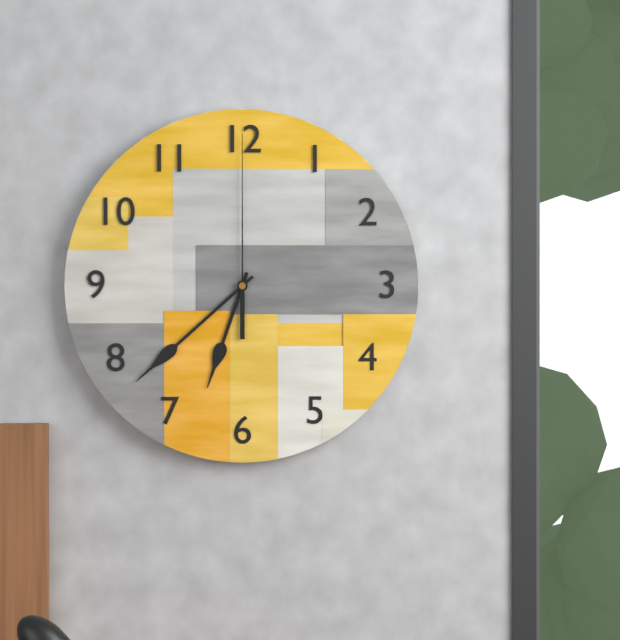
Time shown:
6.38.00
